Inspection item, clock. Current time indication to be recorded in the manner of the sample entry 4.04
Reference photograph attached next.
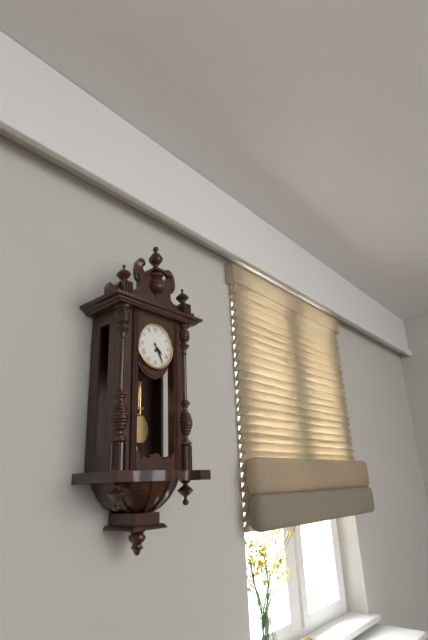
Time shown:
4.25
